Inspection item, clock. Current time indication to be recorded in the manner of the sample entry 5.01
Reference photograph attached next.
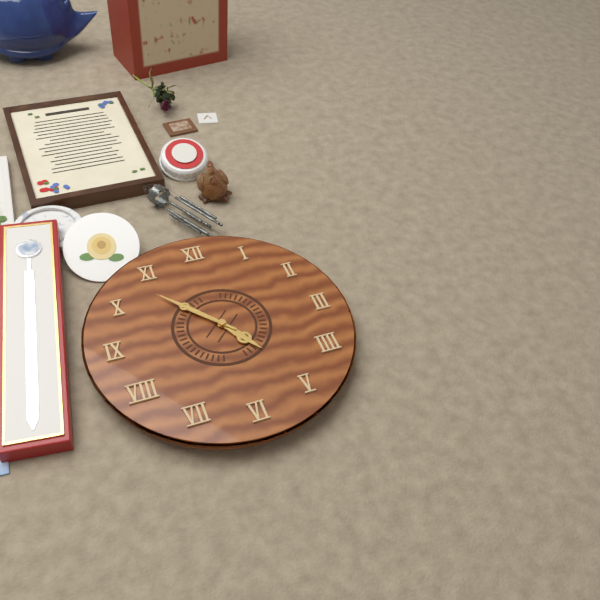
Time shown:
4.53
